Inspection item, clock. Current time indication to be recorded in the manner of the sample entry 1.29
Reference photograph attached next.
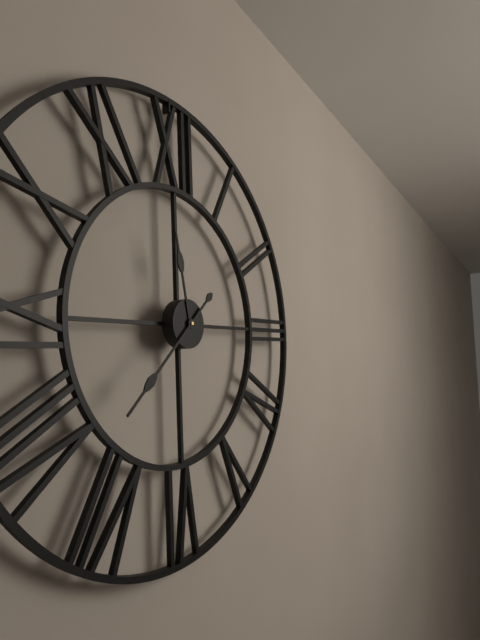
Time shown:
11.38
